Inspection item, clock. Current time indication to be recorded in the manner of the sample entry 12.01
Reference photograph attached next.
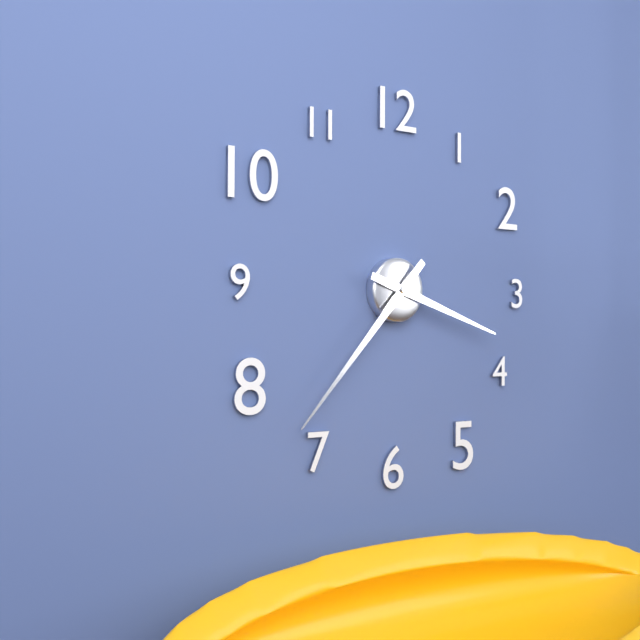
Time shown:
3.37
